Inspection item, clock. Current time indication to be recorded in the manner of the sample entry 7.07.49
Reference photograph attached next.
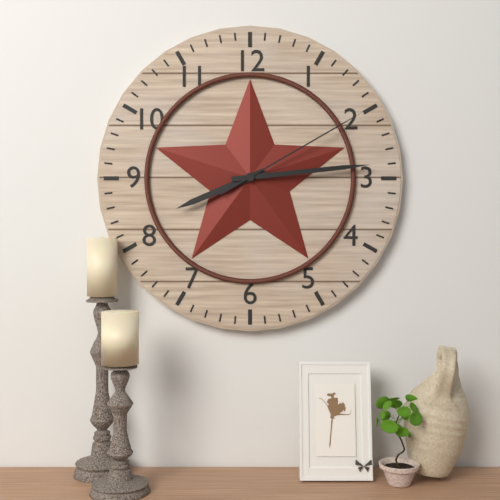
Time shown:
8.14.10
